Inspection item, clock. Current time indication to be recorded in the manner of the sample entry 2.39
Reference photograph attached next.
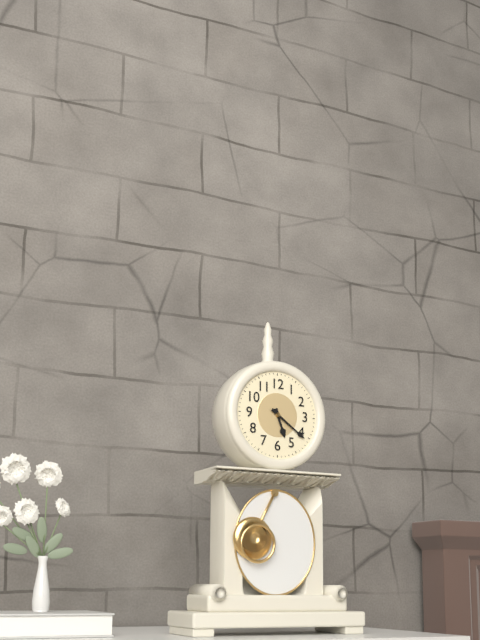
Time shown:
5.21
